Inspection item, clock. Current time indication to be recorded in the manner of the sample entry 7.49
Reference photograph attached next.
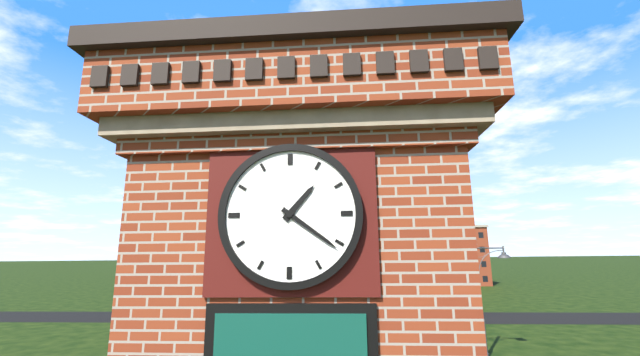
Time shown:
1.21
